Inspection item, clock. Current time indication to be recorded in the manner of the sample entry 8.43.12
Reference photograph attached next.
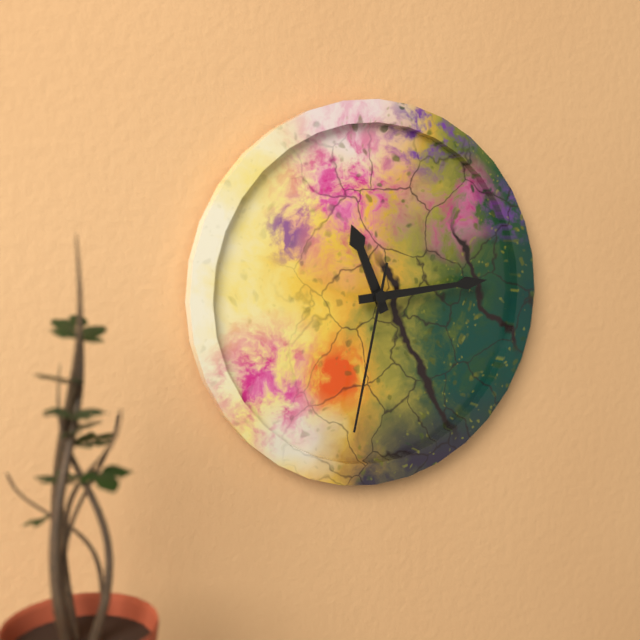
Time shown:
11.14.32
